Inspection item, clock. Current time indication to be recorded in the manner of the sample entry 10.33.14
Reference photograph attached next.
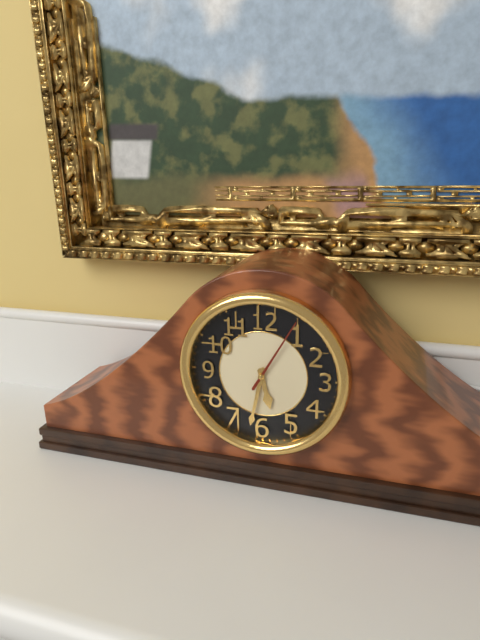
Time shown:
5.32.05
